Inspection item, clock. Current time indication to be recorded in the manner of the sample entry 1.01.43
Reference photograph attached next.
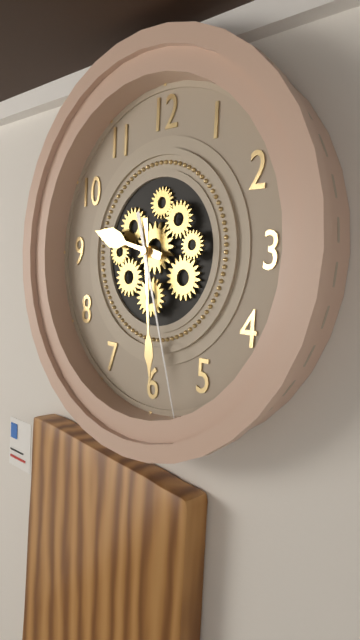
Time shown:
9.29.27
